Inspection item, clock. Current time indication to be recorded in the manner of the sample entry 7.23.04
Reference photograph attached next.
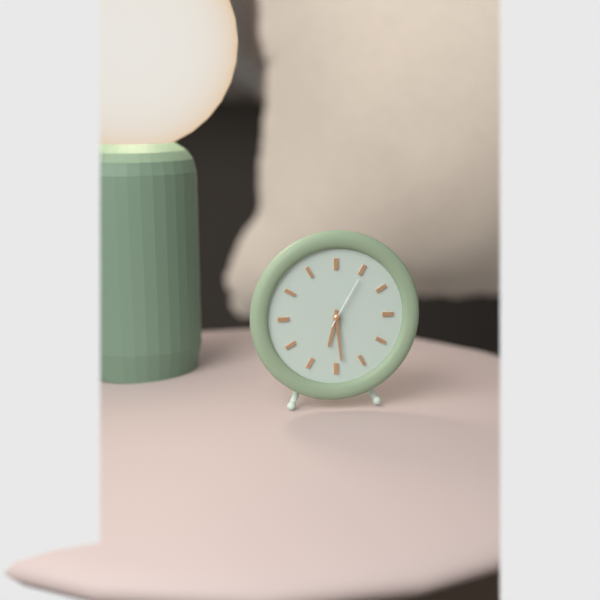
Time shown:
6.29.05
